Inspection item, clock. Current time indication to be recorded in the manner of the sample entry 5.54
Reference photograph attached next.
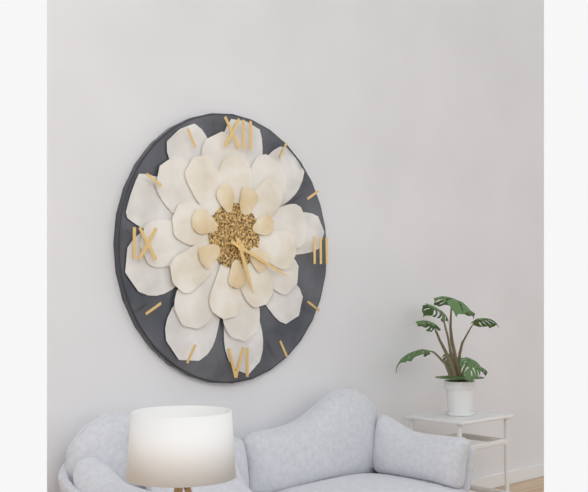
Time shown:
5.19
